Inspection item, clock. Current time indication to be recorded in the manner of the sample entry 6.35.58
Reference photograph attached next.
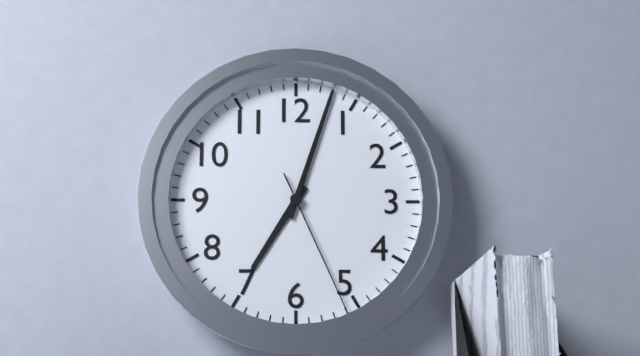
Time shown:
7.03.26
